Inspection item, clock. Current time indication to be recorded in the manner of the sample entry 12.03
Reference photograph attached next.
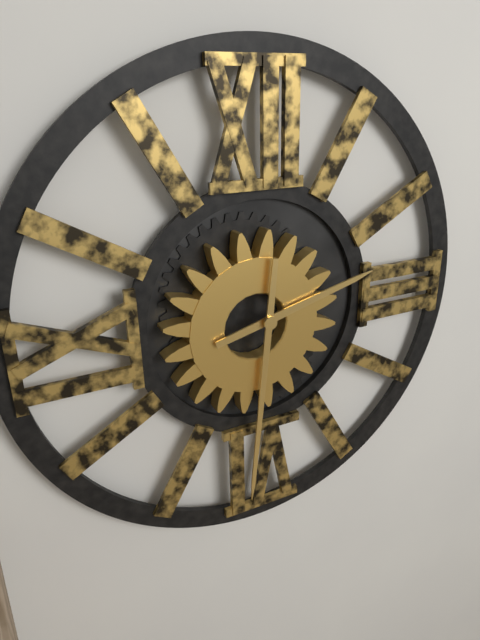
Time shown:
2.31
